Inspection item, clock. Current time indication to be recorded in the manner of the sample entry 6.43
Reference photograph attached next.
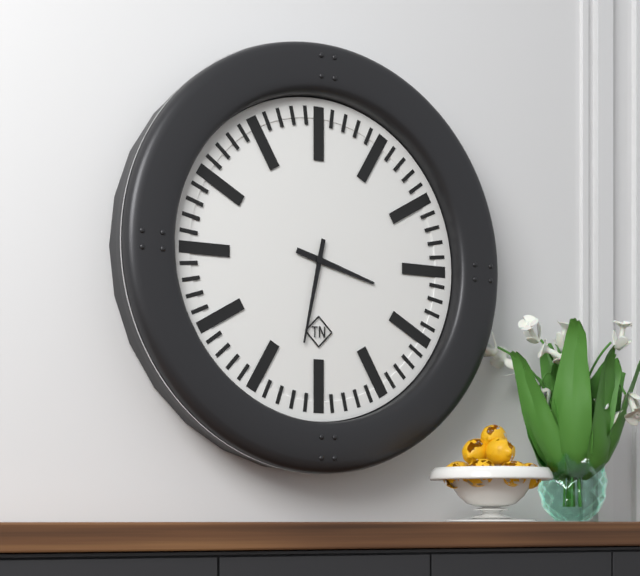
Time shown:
3.32
